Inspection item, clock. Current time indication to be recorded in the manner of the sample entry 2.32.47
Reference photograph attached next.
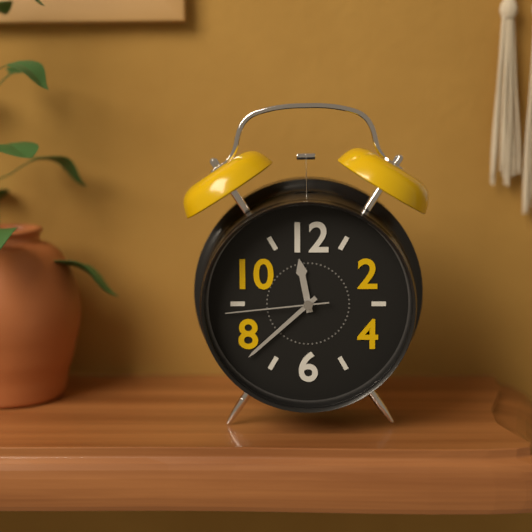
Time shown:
11.38.44
